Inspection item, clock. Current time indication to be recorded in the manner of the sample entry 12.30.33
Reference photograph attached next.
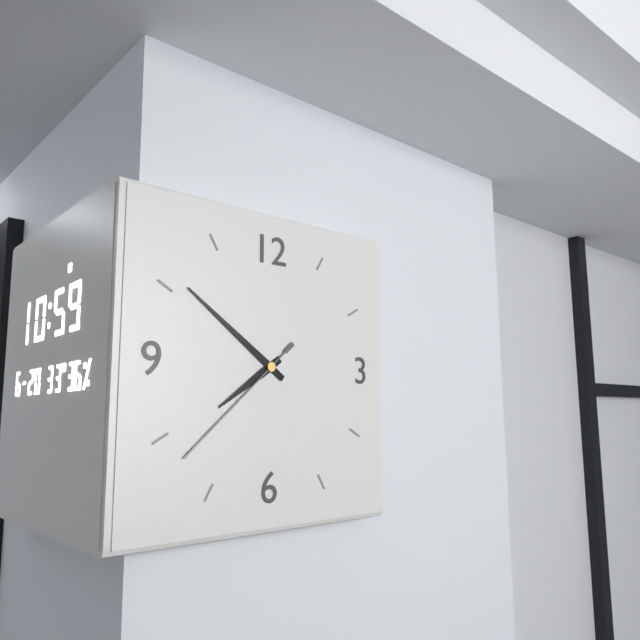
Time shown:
7.51.38
